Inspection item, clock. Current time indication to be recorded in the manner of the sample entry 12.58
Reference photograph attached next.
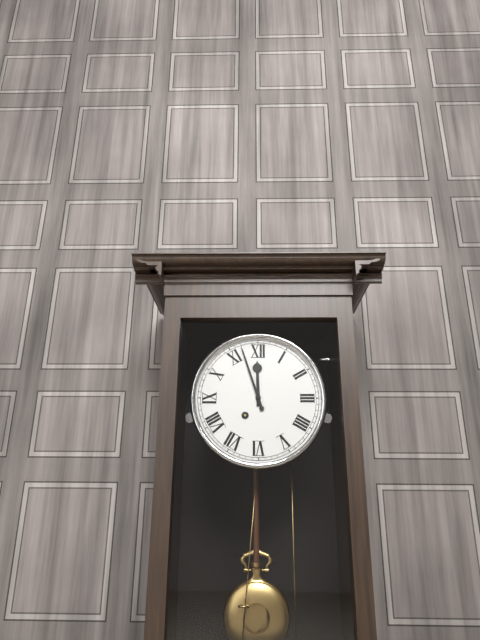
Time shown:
11.57
